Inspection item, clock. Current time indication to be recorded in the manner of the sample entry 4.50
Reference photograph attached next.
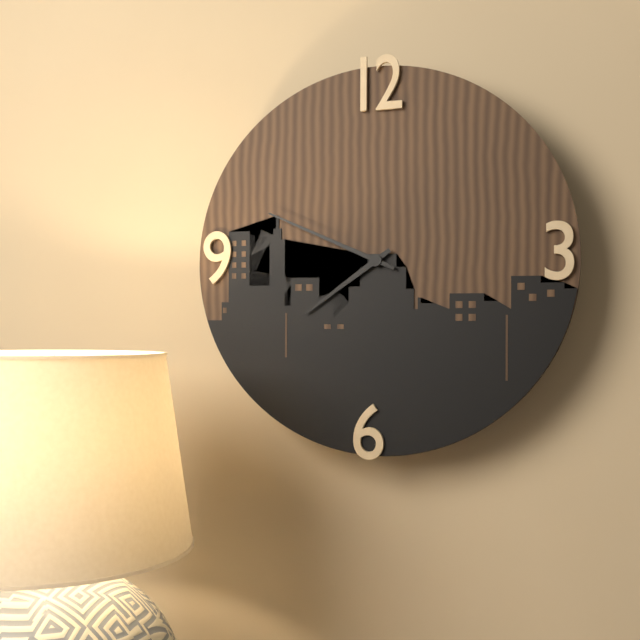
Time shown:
7.49
